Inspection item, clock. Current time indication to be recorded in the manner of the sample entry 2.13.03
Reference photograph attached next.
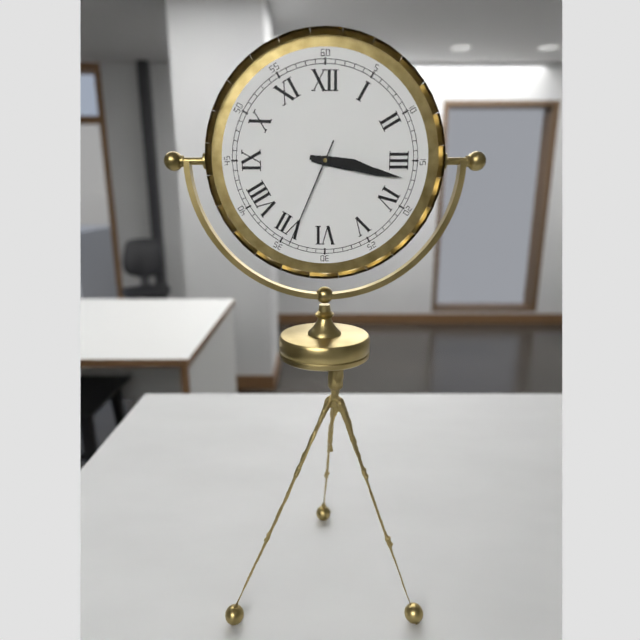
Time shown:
3.17.34
